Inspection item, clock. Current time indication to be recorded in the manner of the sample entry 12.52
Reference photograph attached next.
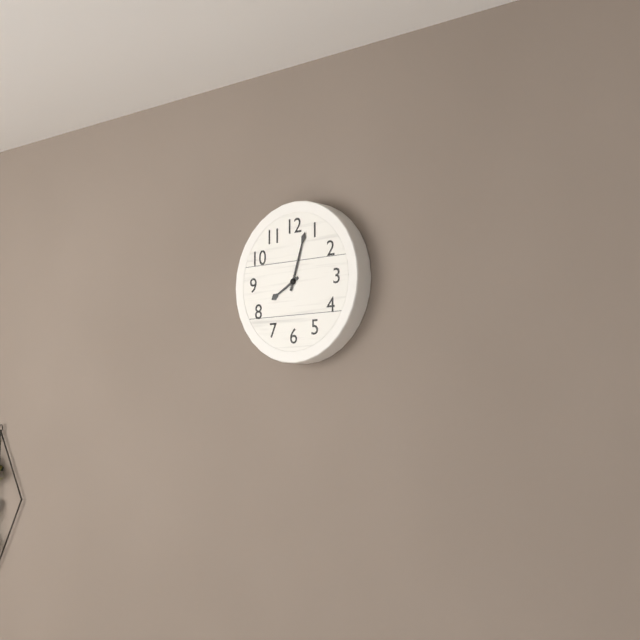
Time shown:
8.03
